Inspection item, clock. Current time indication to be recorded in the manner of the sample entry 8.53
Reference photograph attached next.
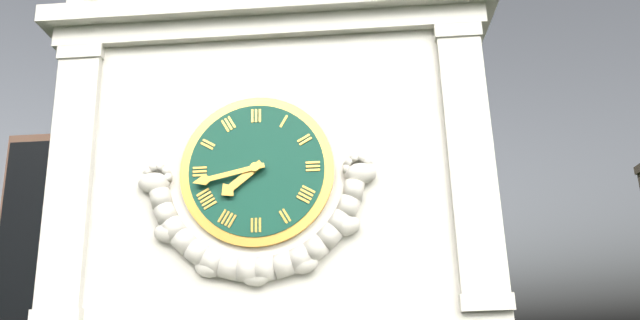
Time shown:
7.43
